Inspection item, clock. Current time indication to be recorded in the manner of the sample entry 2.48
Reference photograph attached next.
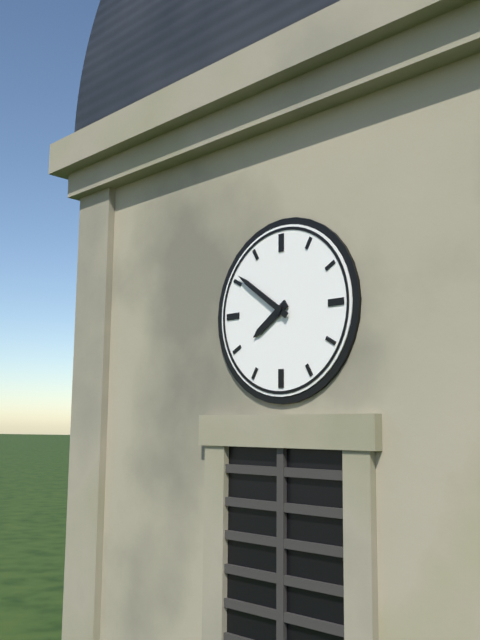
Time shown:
7.51
